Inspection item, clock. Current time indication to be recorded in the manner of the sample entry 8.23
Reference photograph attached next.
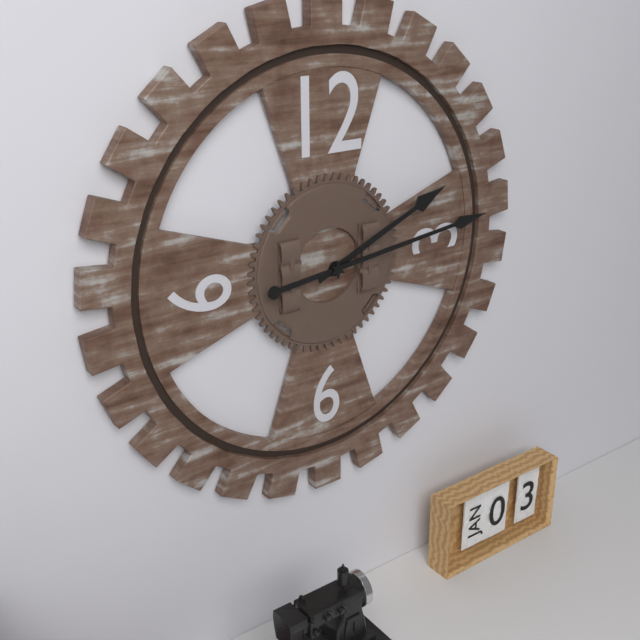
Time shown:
2.14
